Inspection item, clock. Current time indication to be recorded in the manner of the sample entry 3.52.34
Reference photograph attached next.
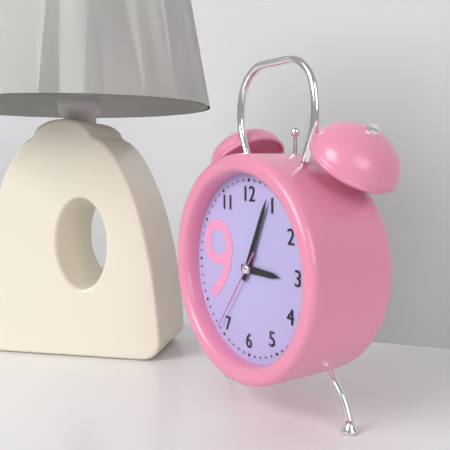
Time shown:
3.04.36
